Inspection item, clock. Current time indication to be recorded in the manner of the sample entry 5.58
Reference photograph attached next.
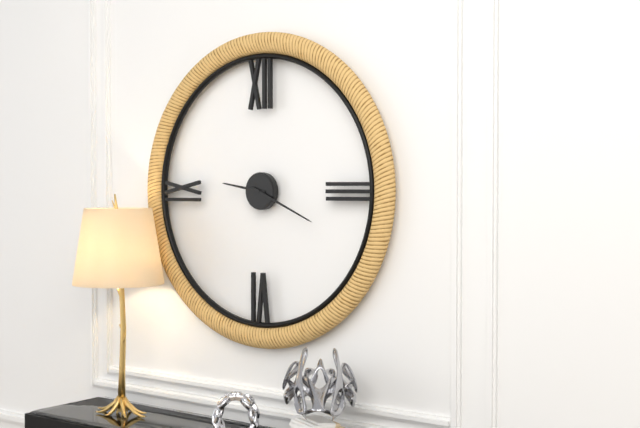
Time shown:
9.19
